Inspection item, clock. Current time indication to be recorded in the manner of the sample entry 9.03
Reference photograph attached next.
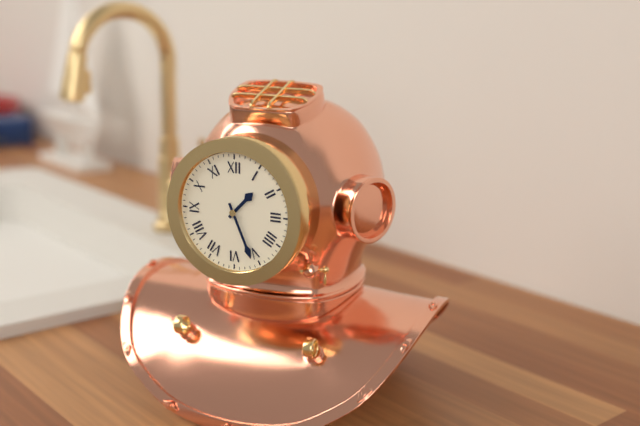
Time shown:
1.26
